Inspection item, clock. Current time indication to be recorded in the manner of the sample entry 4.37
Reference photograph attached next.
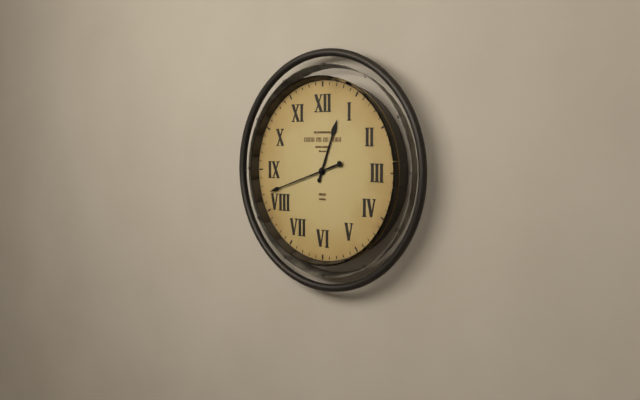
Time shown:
12.42
